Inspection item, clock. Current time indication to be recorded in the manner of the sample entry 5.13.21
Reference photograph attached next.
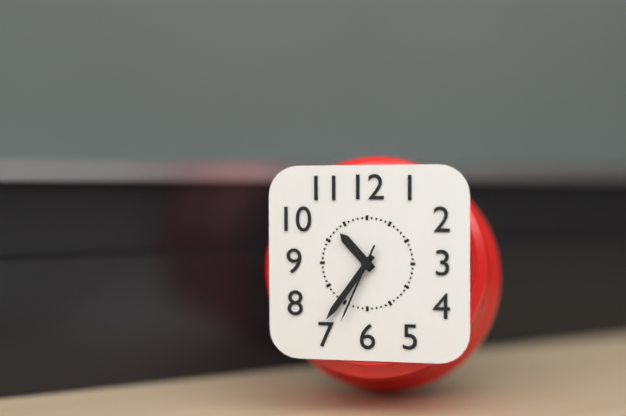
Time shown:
10.36.34
